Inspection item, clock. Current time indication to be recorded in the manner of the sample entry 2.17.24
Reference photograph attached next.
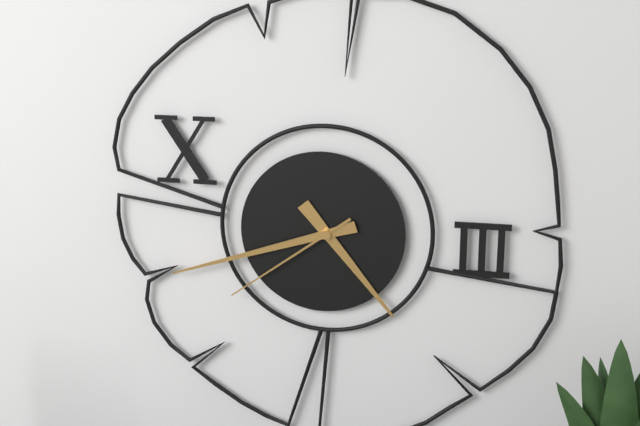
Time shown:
4.42.39
